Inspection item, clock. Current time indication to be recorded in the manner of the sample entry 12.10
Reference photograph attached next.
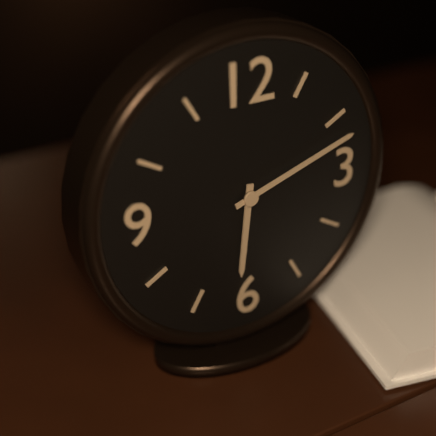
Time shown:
6.12
